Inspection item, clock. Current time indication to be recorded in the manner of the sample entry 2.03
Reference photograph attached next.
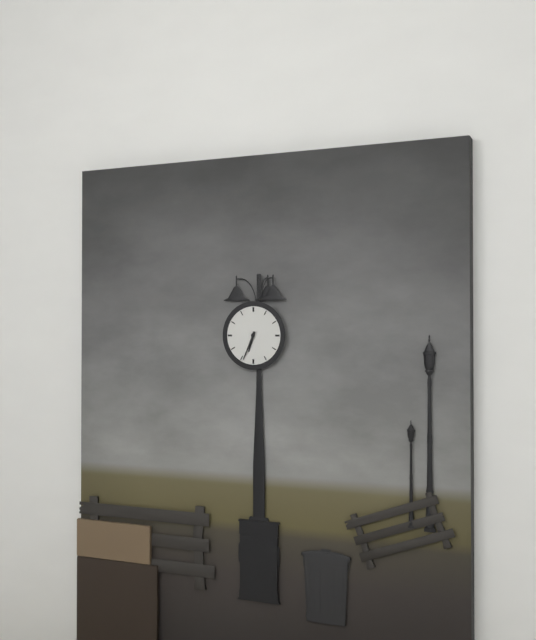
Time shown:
6.34
